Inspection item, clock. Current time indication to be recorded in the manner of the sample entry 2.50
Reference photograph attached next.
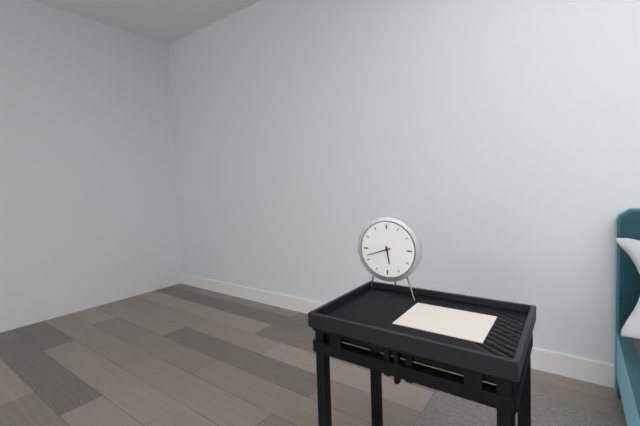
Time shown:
5.42
